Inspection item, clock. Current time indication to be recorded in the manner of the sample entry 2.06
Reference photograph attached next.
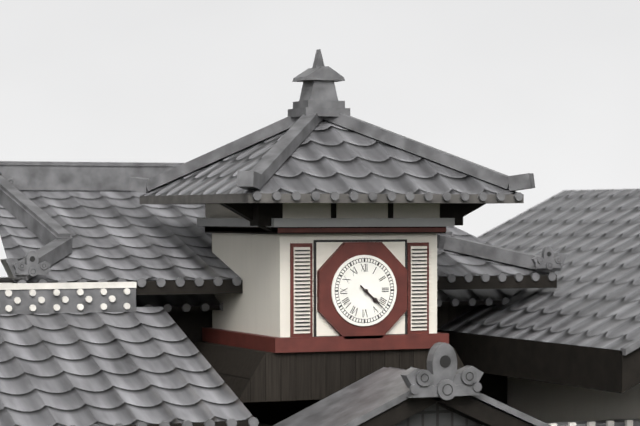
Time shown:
4.22
